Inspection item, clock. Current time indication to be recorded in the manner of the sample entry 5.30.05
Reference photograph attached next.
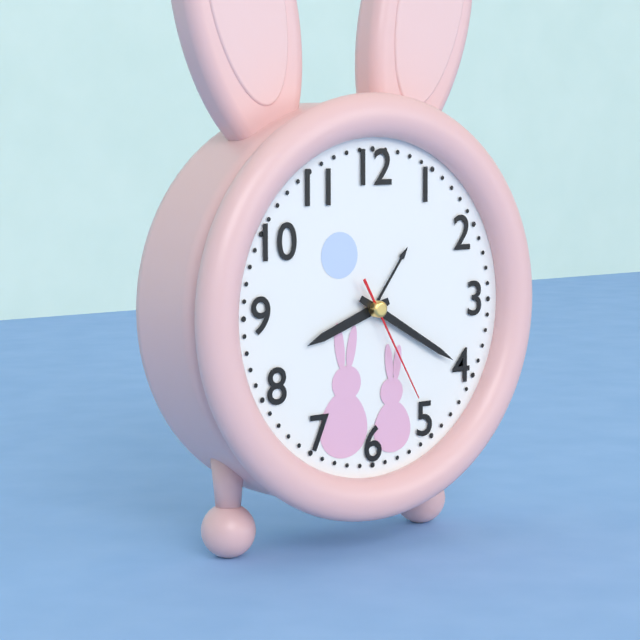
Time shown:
8.20.25
